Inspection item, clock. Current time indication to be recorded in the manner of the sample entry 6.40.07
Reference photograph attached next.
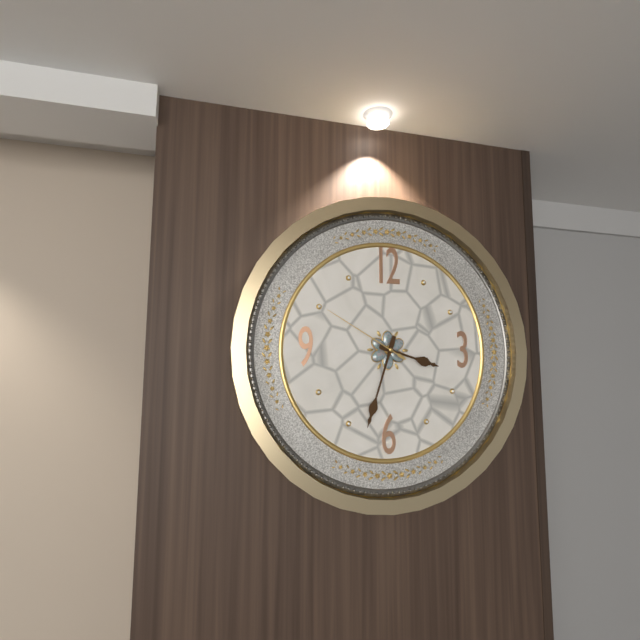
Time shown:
3.33.50
